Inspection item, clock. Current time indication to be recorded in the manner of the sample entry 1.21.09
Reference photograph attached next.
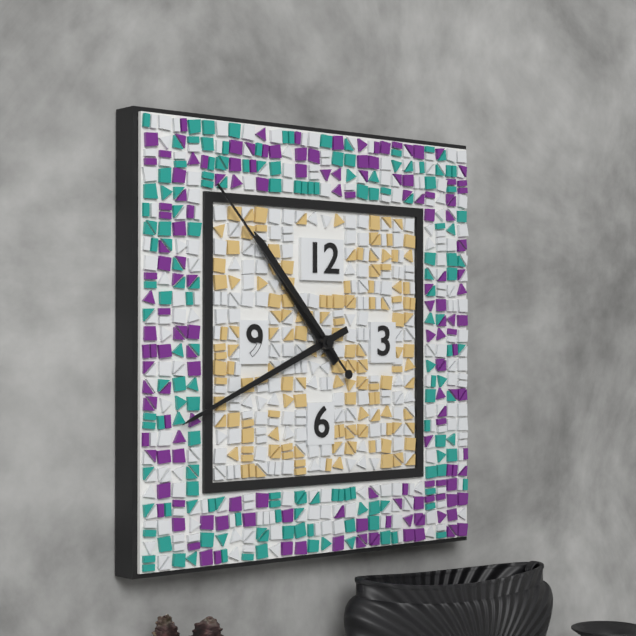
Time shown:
10.41.53
